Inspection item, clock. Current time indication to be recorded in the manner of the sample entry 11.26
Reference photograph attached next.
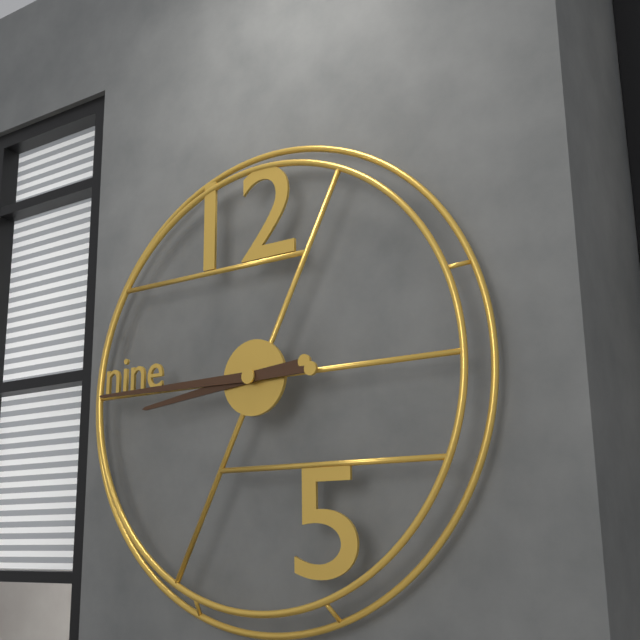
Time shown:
8.45
